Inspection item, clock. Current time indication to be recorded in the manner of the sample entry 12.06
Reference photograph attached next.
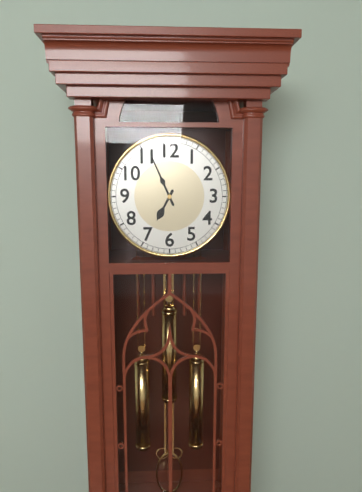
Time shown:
6.56
